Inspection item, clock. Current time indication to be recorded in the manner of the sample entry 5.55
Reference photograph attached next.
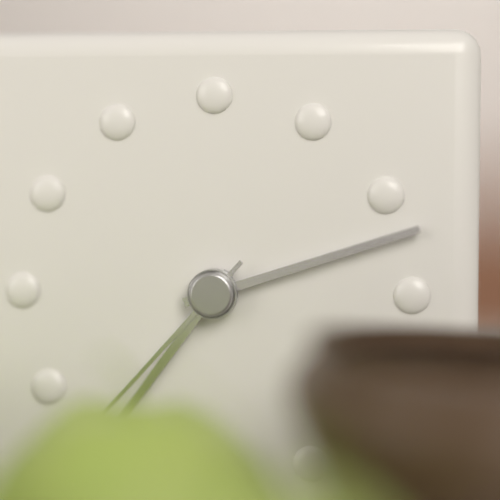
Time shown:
7.12
